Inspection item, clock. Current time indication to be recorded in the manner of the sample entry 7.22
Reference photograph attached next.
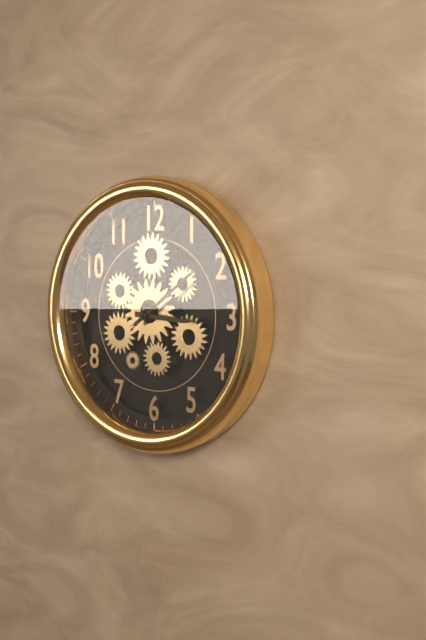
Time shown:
3.09
